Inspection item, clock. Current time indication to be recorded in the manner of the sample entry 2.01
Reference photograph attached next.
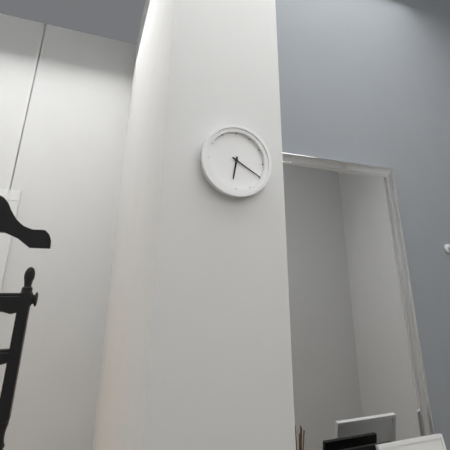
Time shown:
6.20
